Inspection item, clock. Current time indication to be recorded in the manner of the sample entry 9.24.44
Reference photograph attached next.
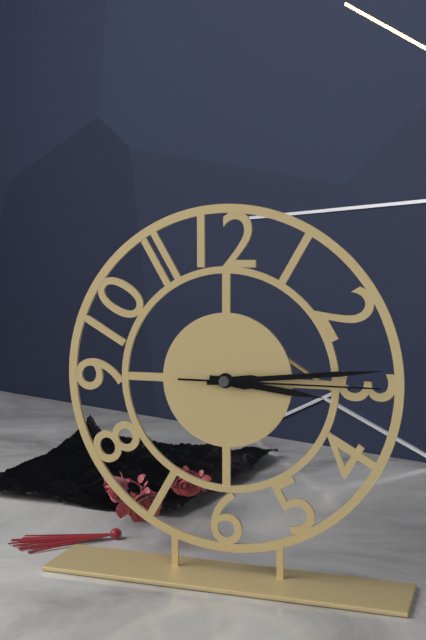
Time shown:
3.14.15
